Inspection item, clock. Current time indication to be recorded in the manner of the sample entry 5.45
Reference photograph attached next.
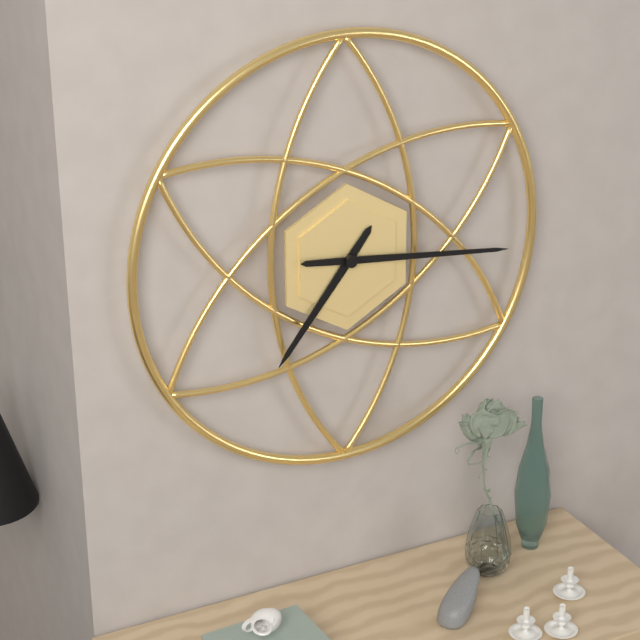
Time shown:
7.16
